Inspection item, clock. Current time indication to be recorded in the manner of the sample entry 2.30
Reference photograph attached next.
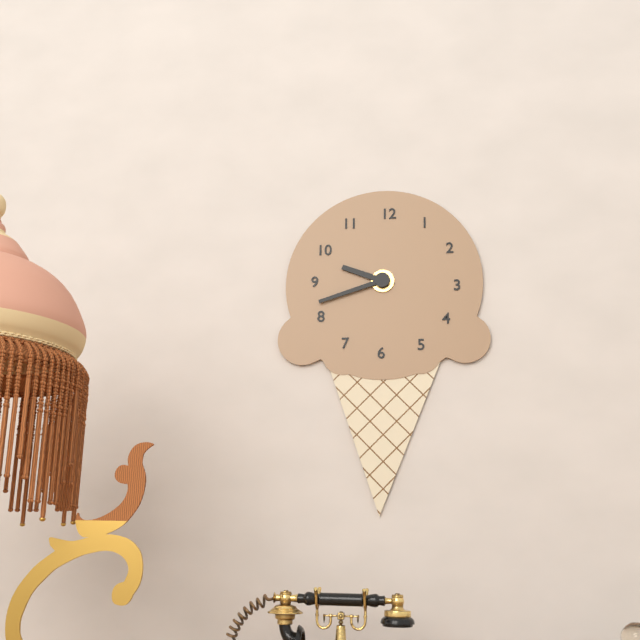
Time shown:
9.42
